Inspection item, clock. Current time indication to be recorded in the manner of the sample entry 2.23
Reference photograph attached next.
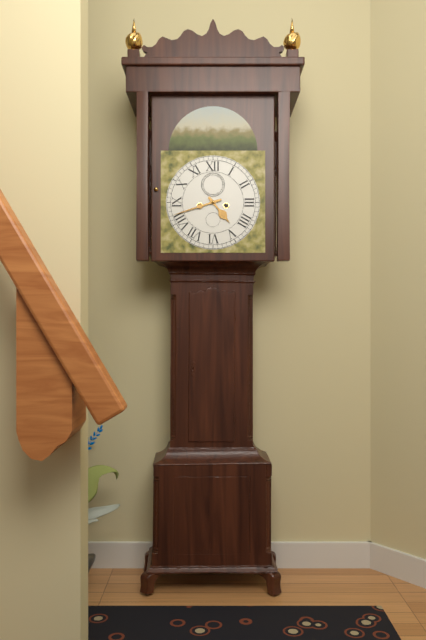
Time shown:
4.42
